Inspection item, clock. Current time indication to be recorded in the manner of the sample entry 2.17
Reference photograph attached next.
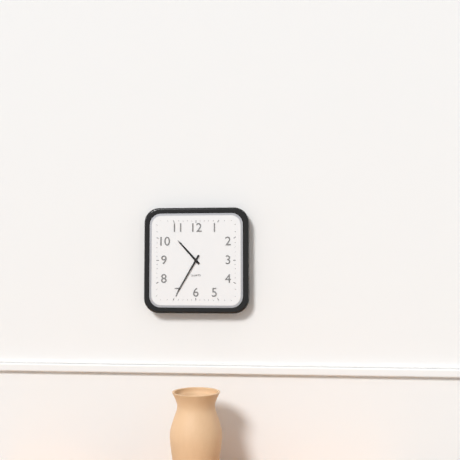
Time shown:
10.35
